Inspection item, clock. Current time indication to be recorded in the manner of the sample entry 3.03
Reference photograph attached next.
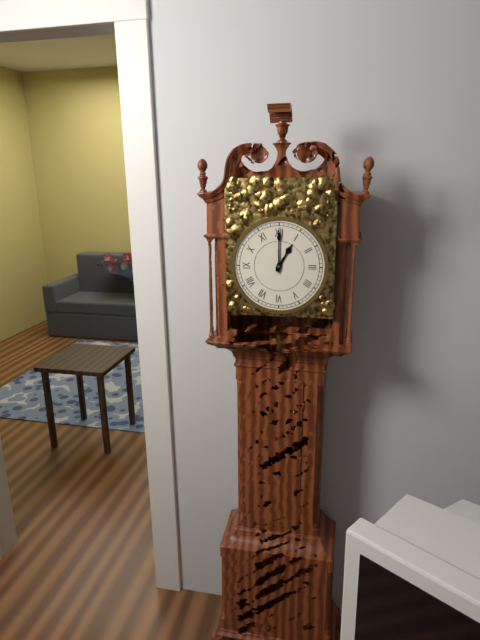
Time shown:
1.00
